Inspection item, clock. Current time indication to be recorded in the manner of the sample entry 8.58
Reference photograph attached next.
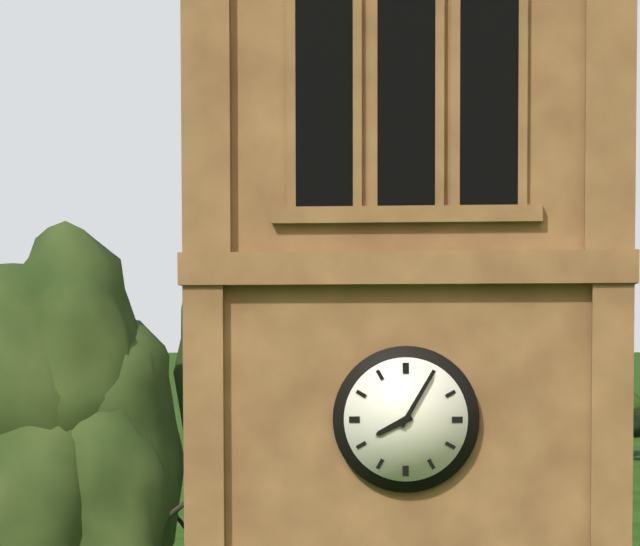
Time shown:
8.05
